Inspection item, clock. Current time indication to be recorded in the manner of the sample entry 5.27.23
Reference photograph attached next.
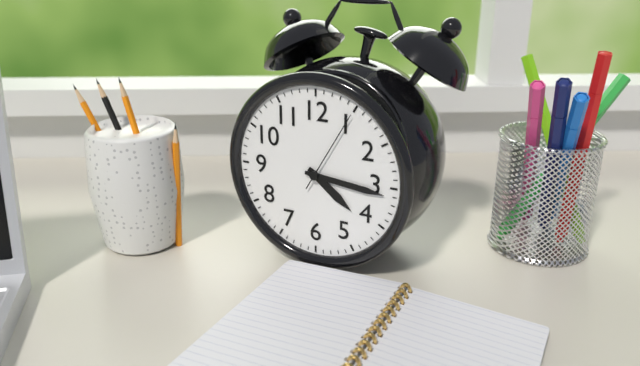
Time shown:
4.16.05
